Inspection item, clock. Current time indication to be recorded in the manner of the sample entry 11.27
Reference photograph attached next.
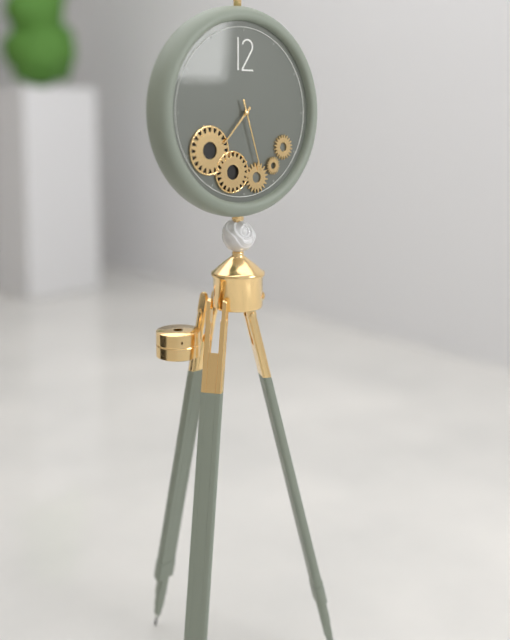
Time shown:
7.27
